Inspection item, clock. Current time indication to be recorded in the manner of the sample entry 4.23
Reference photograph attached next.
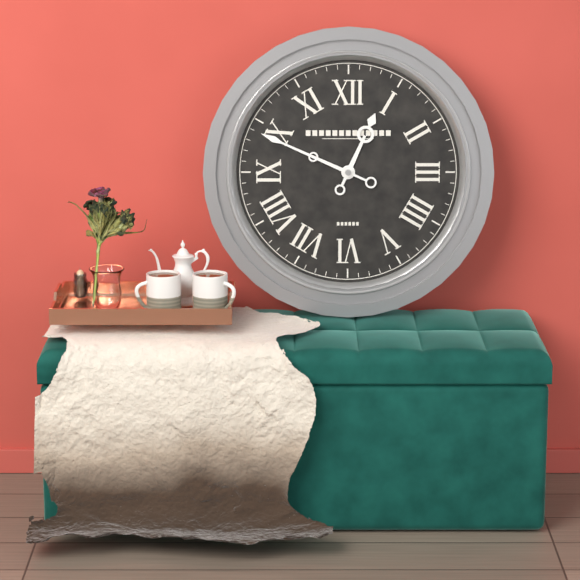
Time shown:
12.49
